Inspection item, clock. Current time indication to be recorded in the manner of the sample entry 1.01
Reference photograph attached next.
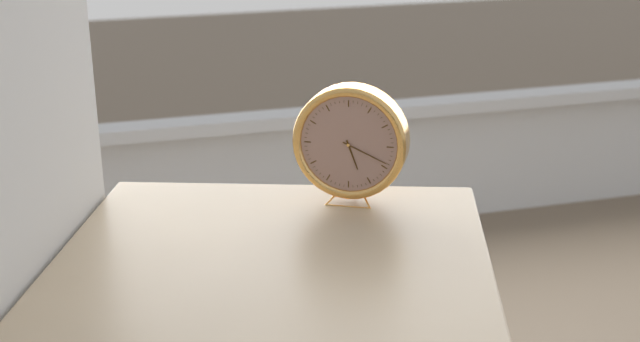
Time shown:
5.19
